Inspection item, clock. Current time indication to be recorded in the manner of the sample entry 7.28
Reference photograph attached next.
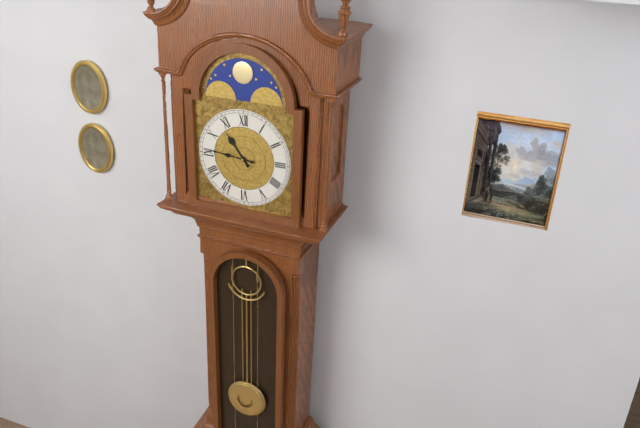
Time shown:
10.46
